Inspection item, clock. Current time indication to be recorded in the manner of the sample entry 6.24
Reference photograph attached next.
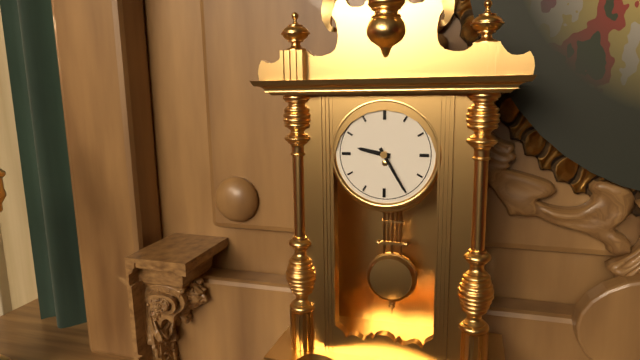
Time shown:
9.25
